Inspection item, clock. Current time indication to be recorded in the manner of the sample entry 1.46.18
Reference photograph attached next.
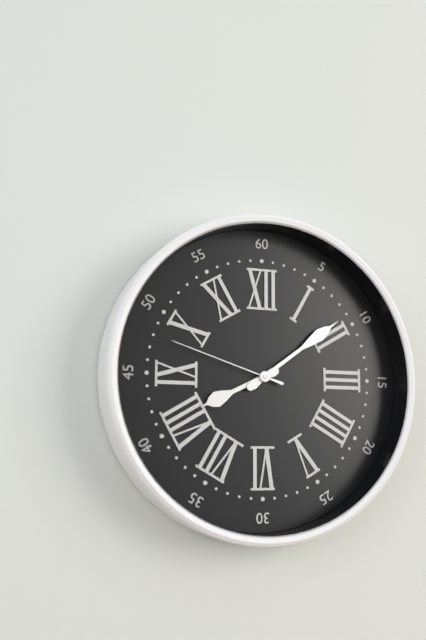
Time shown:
8.09.48
